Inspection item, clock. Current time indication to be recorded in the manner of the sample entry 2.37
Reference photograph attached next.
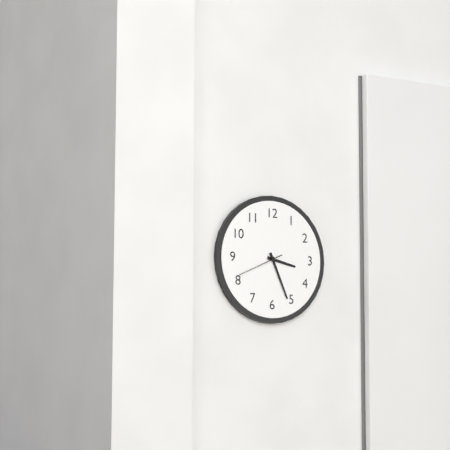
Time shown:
3.26
